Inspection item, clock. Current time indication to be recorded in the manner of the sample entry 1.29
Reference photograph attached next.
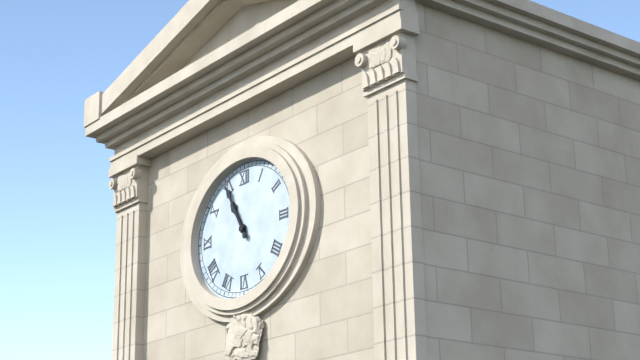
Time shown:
10.55
